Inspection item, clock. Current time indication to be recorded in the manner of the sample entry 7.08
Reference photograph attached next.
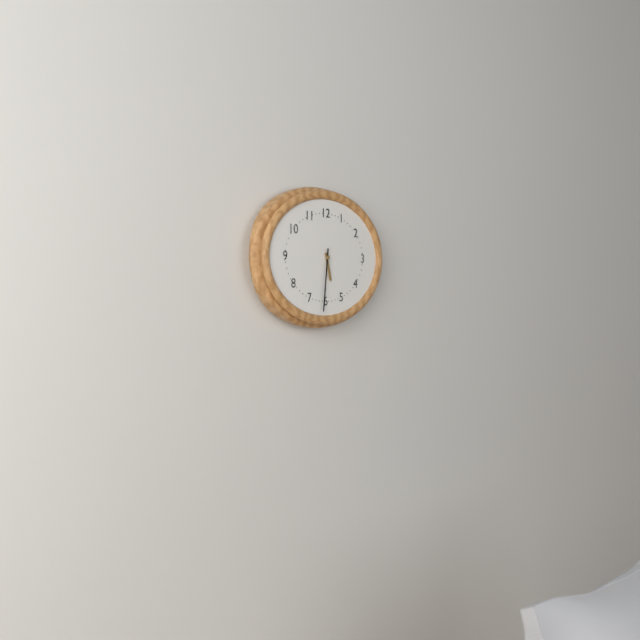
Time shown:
5.31
